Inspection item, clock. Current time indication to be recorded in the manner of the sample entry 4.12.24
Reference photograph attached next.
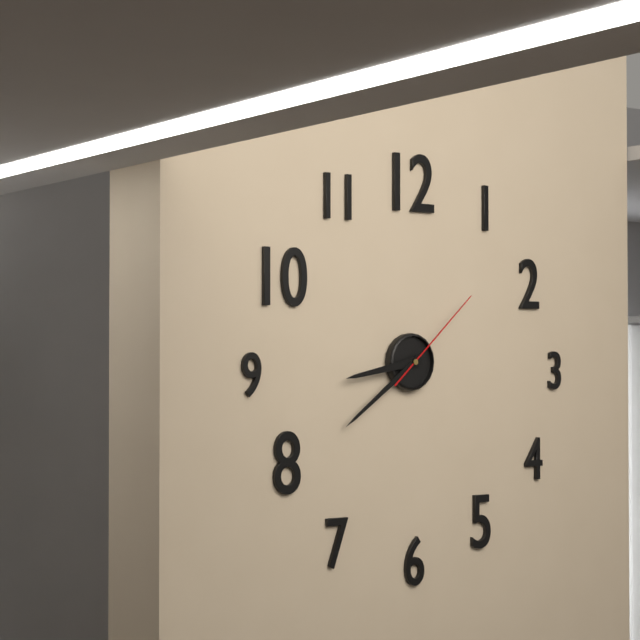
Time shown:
8.39.08
